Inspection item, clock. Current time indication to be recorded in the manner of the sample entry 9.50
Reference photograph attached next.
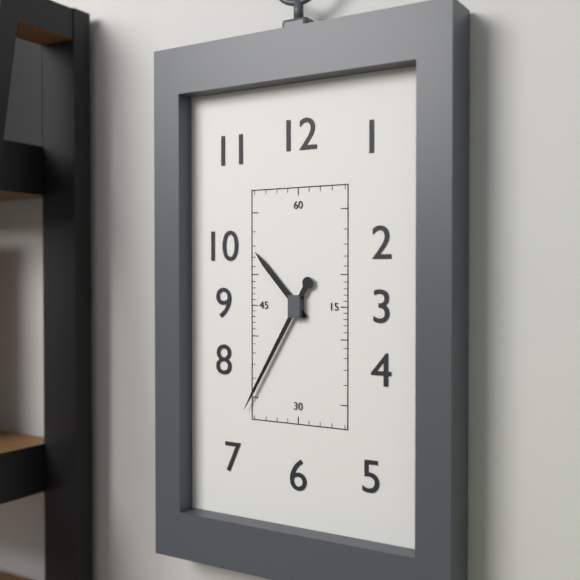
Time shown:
10.35
